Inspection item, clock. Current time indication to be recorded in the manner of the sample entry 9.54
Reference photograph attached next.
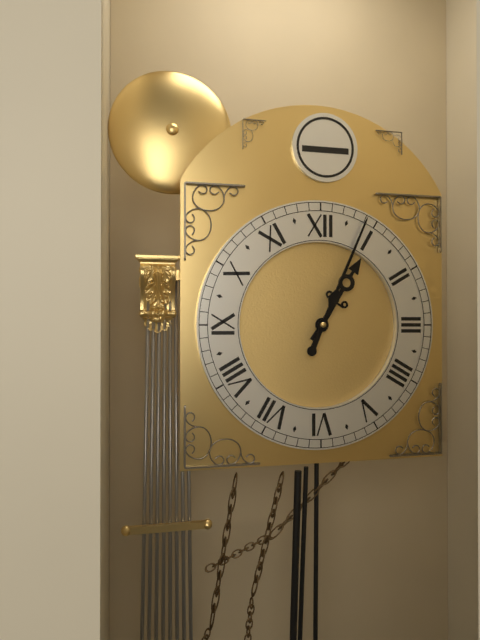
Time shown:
1.04
